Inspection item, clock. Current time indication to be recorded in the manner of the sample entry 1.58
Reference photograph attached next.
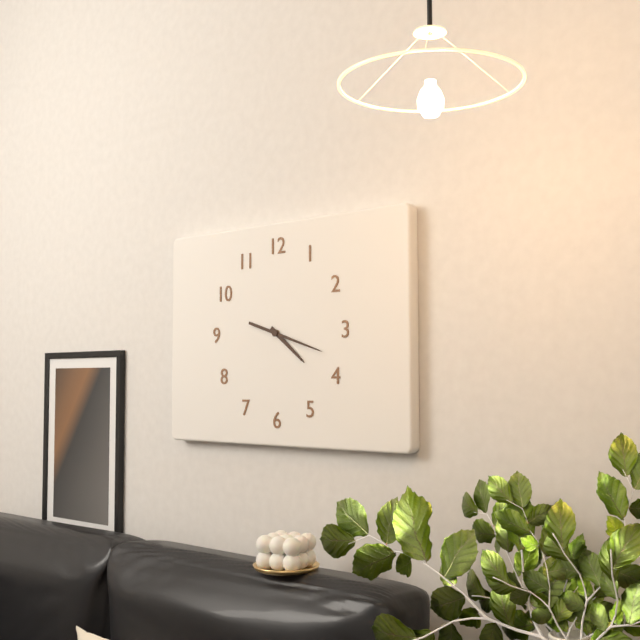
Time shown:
4.18
